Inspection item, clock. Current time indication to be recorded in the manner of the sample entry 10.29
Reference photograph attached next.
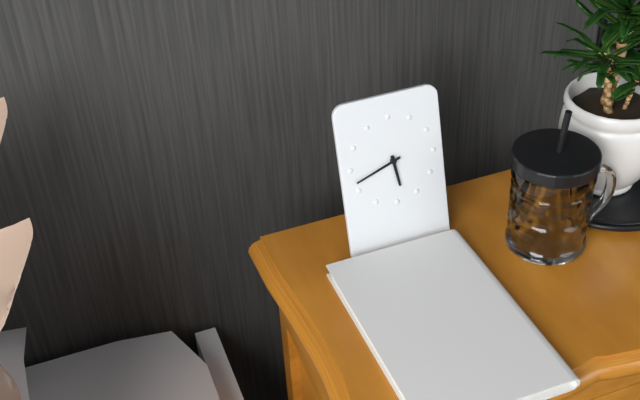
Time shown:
5.42
